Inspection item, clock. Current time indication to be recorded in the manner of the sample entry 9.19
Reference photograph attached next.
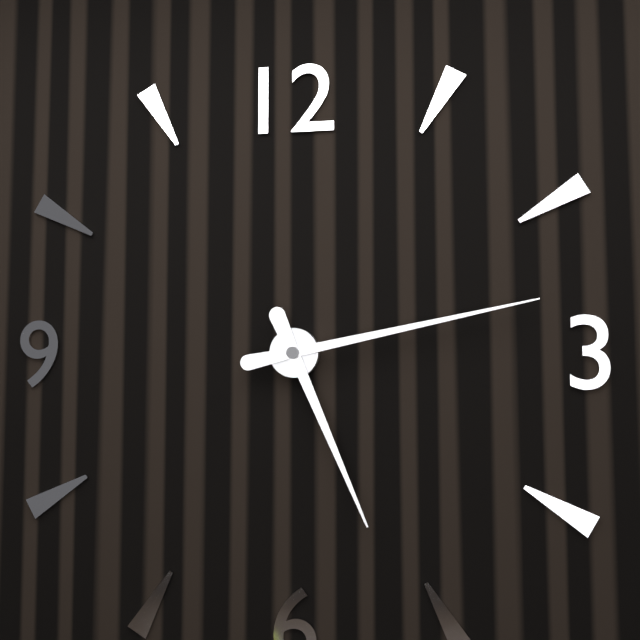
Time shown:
5.13
